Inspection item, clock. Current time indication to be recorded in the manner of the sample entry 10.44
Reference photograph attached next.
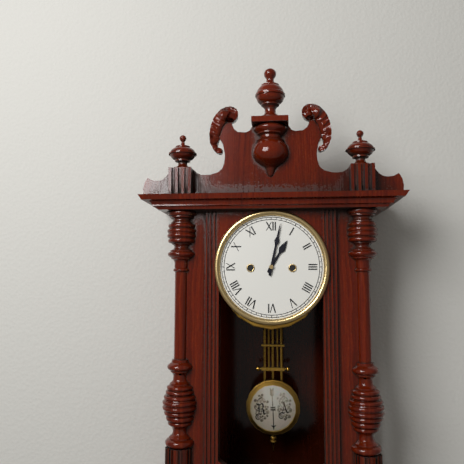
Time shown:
1.02
